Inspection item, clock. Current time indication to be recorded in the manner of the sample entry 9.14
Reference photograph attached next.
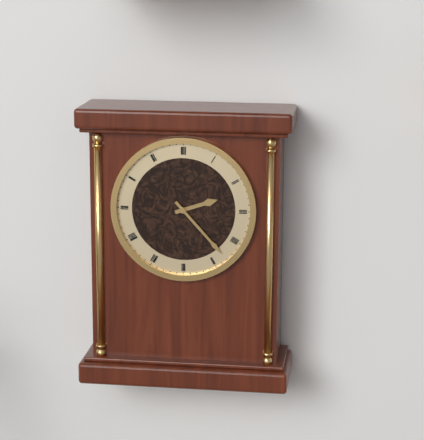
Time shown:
2.23
